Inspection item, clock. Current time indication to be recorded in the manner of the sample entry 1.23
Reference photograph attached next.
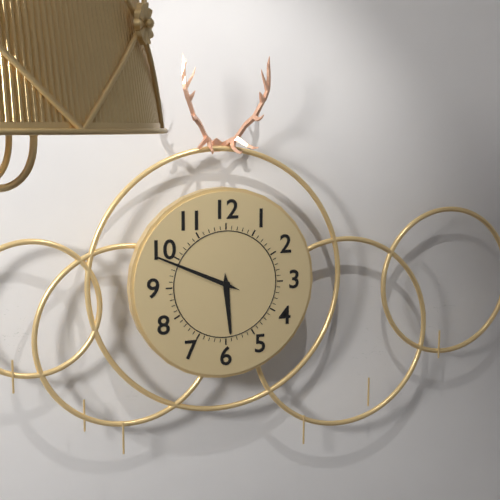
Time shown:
5.49
